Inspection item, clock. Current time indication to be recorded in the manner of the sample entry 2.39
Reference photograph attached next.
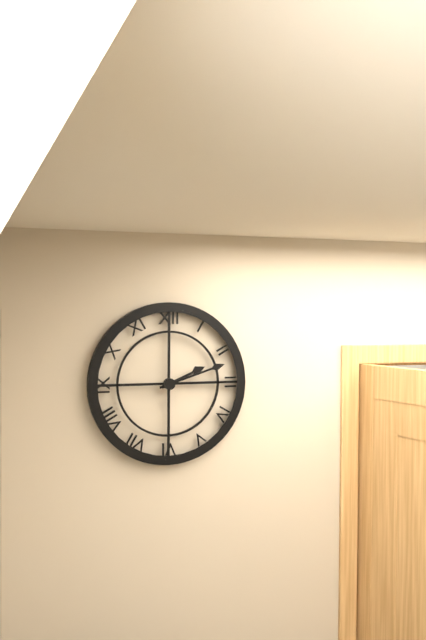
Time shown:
2.12
